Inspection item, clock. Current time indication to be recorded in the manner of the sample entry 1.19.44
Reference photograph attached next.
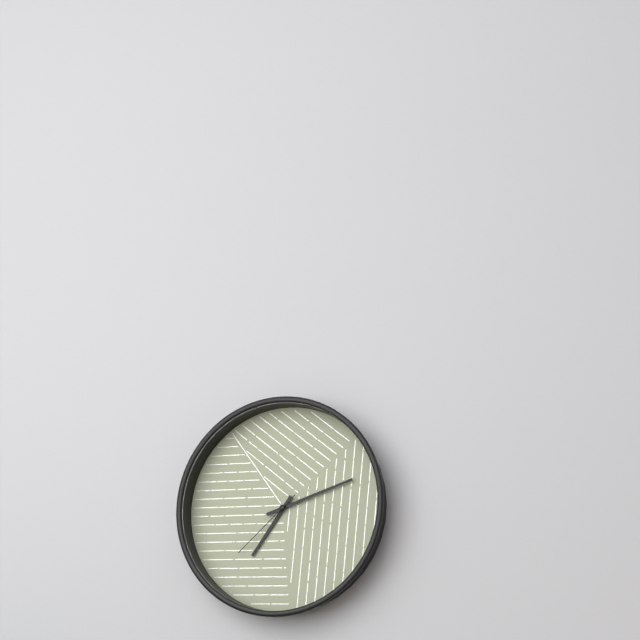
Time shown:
7.12.38
